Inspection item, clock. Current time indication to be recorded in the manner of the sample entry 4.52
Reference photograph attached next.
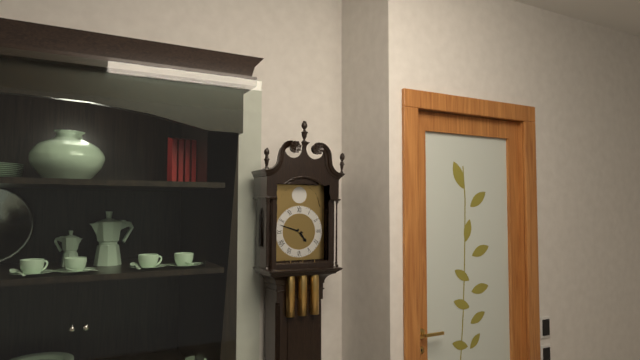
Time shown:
4.48
